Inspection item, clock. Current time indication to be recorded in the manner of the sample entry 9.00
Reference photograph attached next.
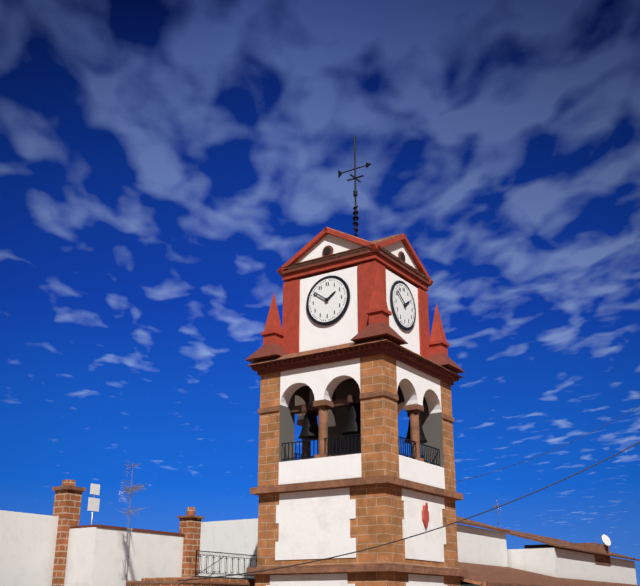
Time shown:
1.51
